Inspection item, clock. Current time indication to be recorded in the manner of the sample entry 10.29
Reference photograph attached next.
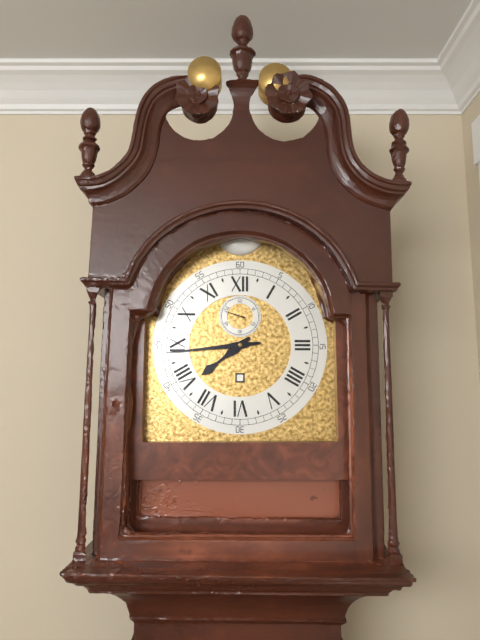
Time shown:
7.44
